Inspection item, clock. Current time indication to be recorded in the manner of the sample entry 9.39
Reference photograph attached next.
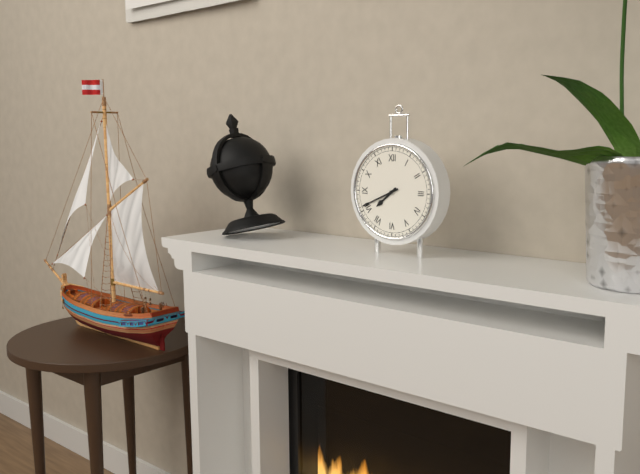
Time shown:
7.41
